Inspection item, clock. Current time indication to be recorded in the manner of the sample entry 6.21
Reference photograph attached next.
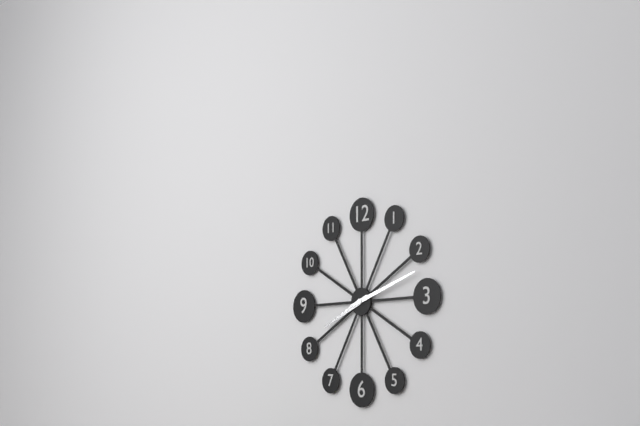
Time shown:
8.12
